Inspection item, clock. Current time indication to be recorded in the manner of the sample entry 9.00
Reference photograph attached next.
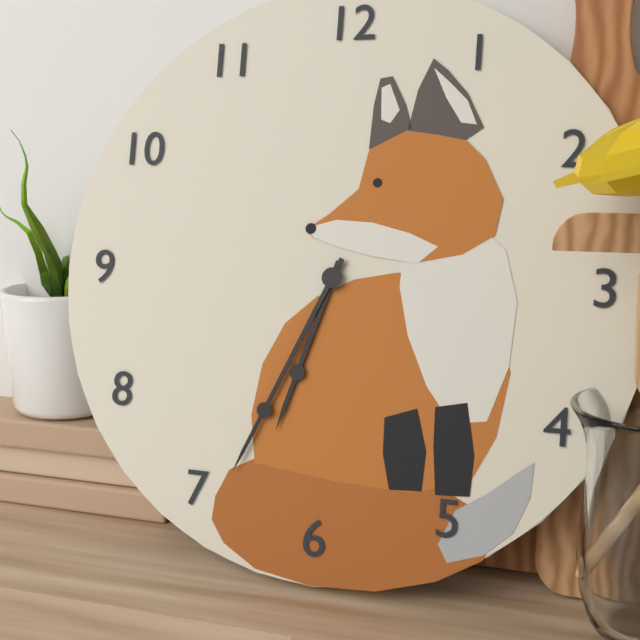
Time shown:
6.34
